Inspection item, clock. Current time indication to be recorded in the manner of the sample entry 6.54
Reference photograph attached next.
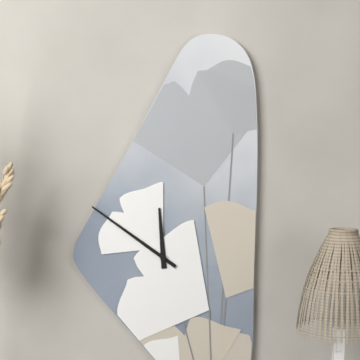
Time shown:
11.51
